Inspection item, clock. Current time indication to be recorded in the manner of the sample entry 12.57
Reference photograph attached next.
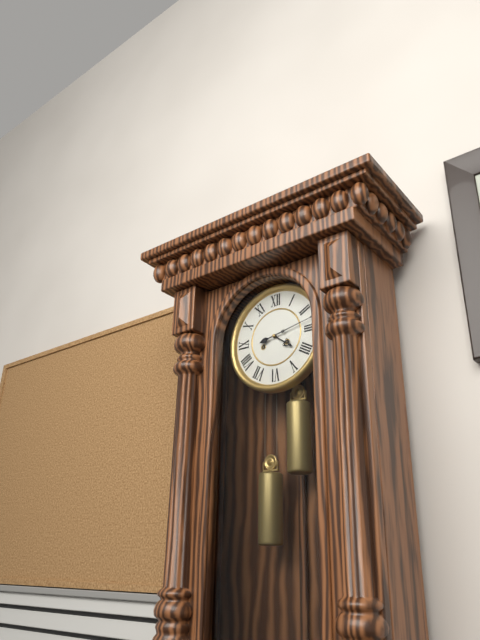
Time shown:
4.13
